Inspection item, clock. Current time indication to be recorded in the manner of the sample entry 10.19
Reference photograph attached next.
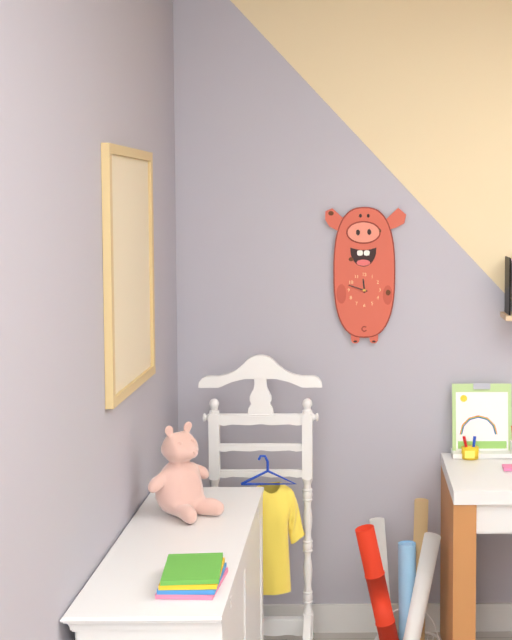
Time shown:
11.48
